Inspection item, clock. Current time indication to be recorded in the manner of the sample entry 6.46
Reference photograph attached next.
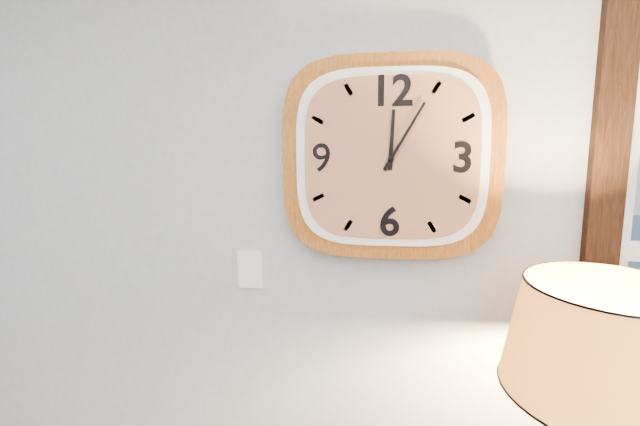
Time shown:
12.05
